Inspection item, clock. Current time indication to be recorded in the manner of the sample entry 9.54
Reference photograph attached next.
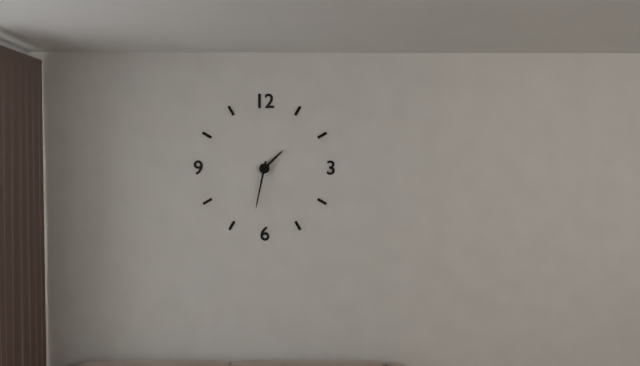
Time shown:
1.32
